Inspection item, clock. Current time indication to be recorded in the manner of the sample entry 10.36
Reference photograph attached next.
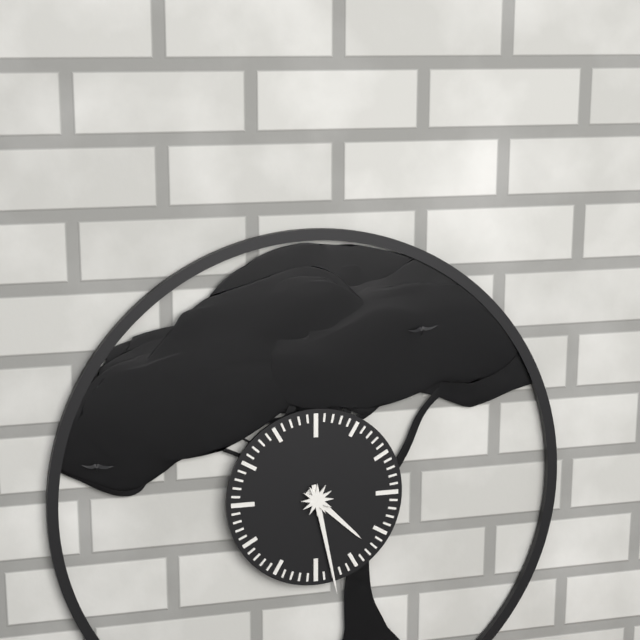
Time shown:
4.28
